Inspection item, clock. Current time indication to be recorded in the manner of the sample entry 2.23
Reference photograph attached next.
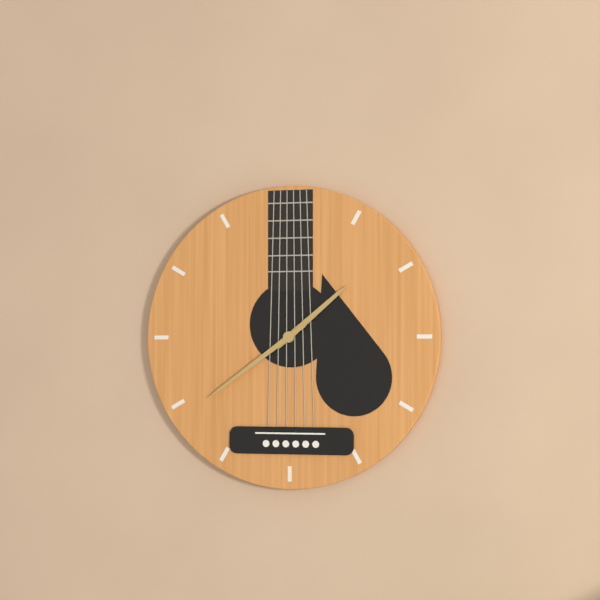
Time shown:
1.39
